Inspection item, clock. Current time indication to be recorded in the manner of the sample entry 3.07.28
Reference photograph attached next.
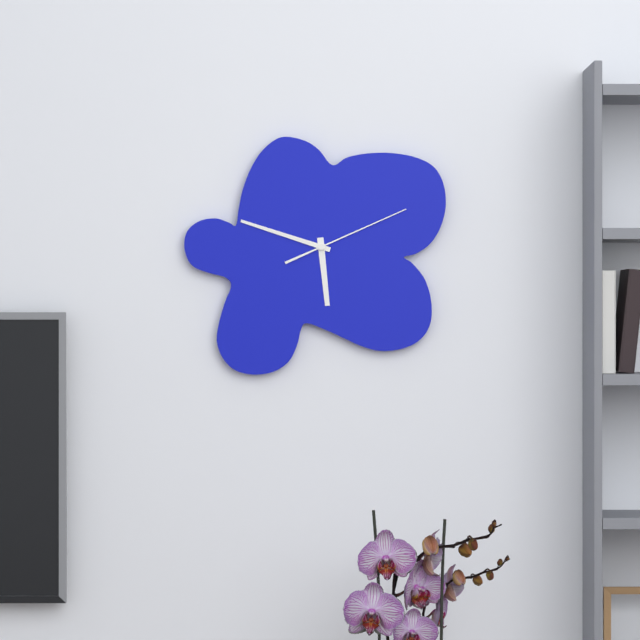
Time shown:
5.48.11
